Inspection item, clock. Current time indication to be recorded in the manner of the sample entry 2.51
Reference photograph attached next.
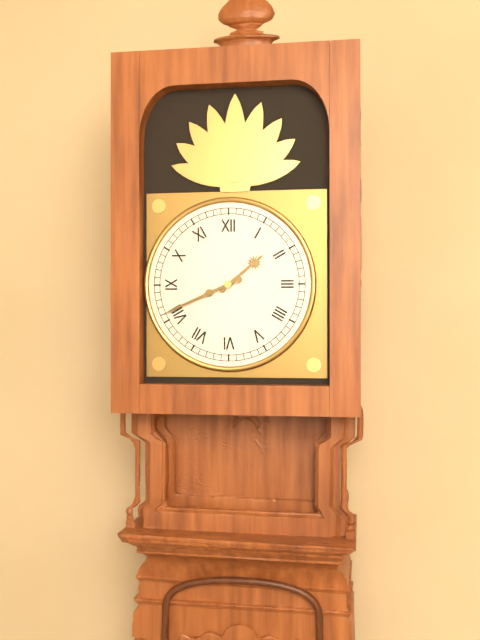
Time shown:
1.41
